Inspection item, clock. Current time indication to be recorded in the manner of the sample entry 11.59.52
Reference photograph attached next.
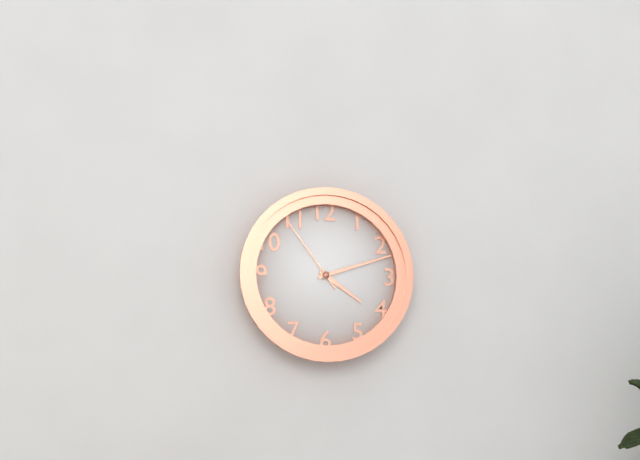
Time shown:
4.12.54
